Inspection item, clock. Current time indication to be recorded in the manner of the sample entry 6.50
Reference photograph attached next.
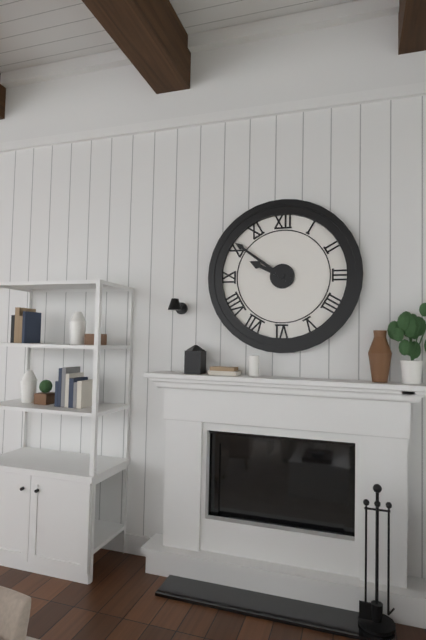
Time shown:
9.51
